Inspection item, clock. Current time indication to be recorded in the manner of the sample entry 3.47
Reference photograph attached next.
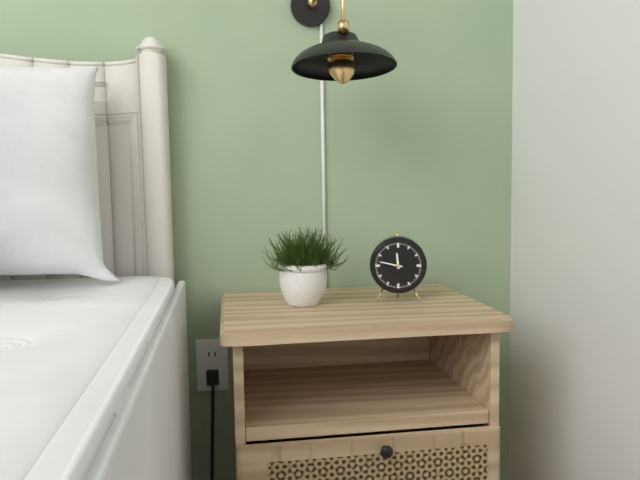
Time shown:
11.47
